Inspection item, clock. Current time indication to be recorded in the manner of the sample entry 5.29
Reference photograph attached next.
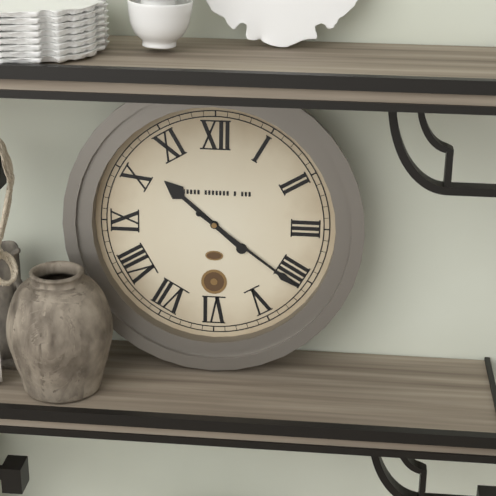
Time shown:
10.21
